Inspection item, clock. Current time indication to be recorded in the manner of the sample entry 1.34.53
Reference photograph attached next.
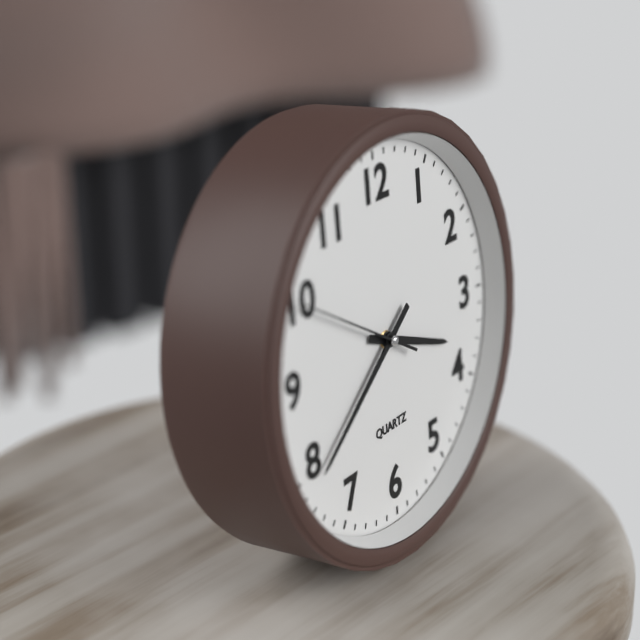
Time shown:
3.39.50
